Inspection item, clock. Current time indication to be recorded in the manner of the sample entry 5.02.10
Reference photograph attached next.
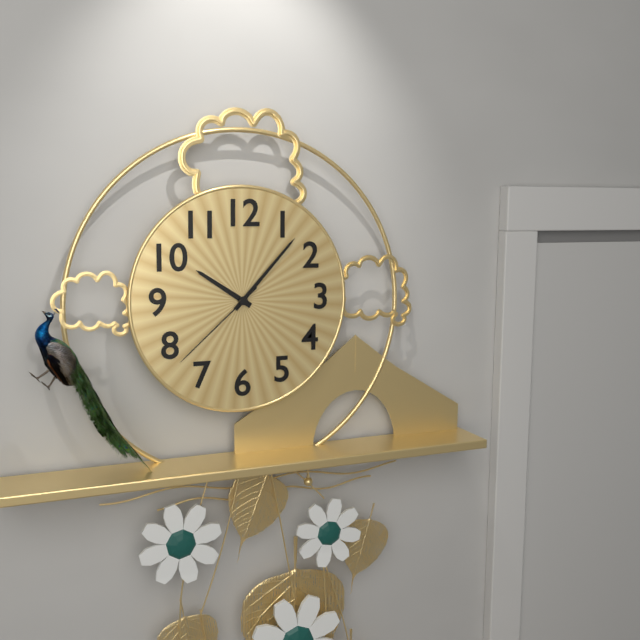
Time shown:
10.07.38
